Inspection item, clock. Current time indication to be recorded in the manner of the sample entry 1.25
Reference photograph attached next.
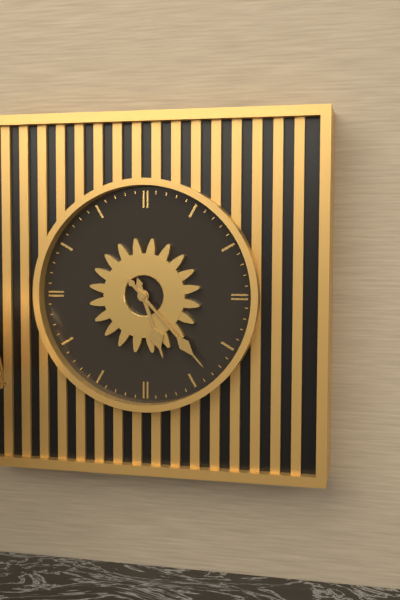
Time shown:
5.23
